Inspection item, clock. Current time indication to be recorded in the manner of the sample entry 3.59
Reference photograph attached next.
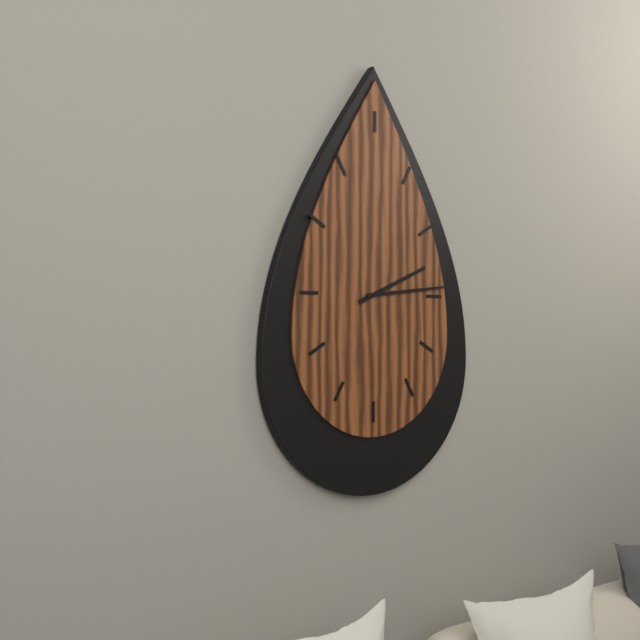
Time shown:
2.14
